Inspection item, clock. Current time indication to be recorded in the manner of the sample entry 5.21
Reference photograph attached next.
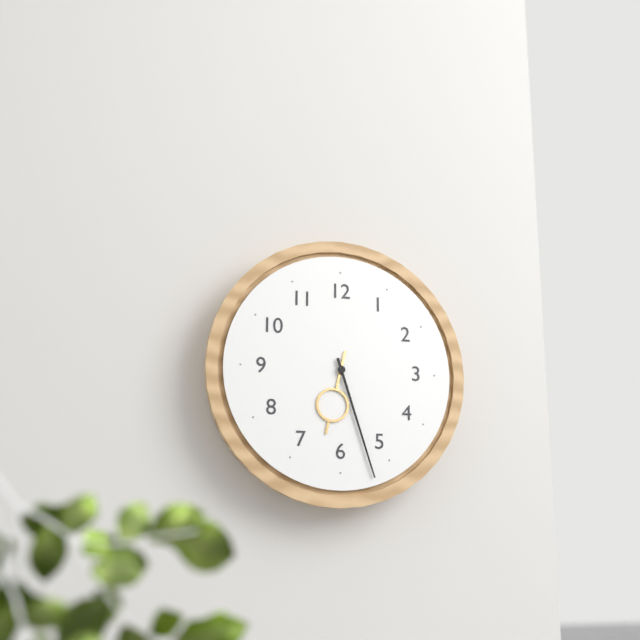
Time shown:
6.27
